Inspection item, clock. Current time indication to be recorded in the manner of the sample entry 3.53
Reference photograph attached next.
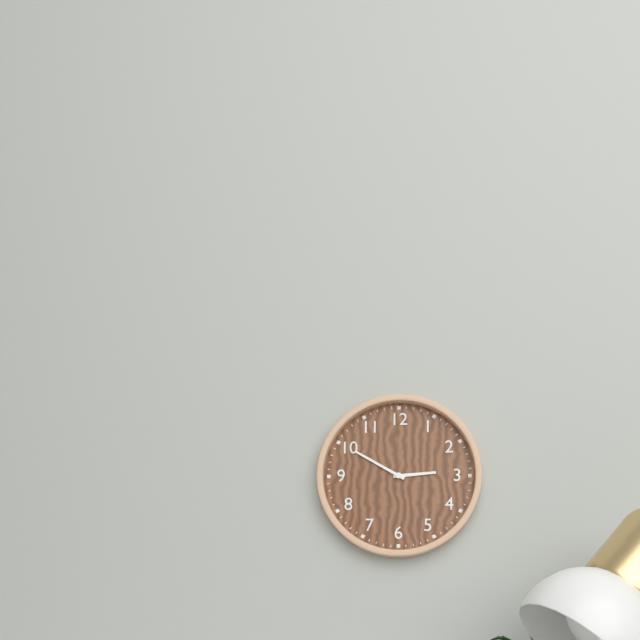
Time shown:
2.50
